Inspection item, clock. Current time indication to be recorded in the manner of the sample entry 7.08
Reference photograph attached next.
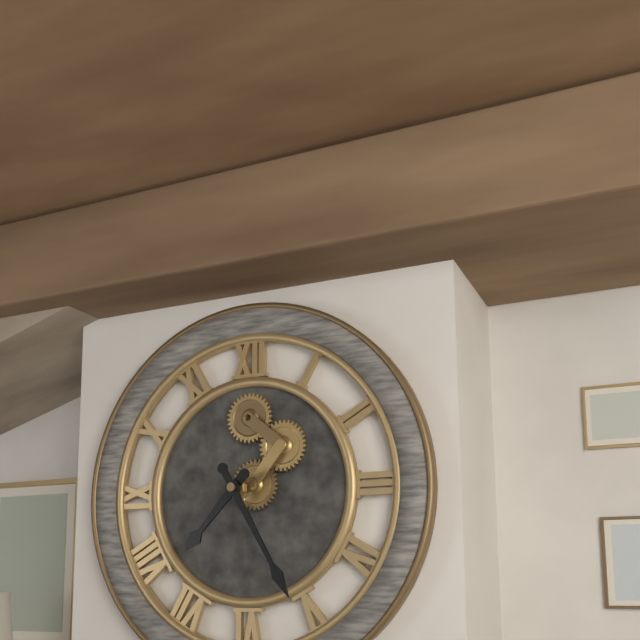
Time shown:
7.25
